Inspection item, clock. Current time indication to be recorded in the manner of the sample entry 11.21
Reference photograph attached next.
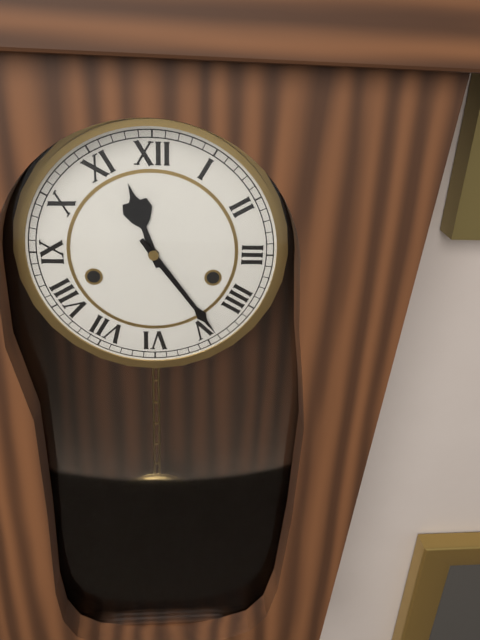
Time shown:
11.24
